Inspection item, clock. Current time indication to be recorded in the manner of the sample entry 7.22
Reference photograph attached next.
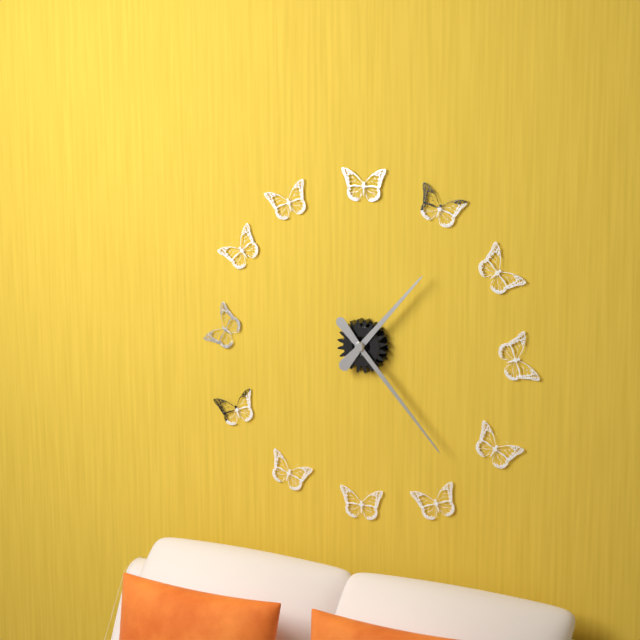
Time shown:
1.23
